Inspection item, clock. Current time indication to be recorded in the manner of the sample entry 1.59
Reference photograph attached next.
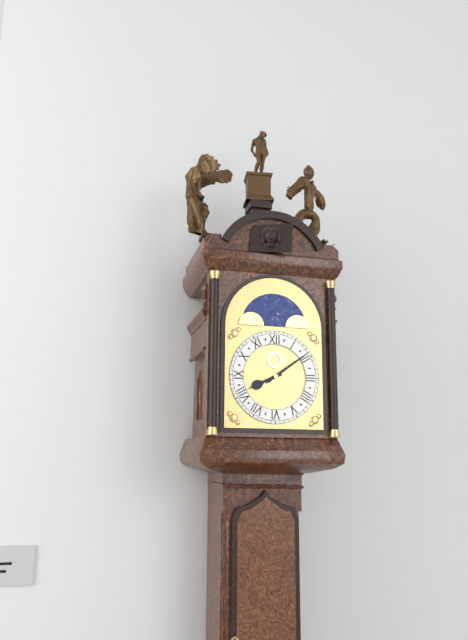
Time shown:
8.09
